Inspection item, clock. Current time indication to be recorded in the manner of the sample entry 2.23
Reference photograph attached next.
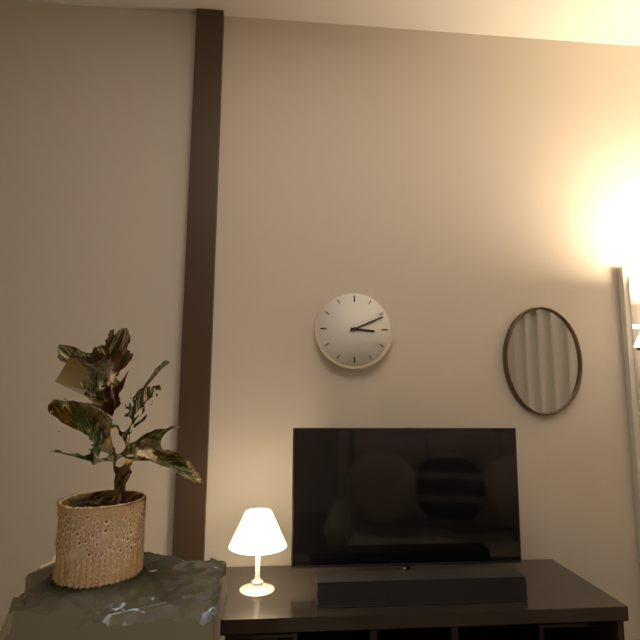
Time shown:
3.11
